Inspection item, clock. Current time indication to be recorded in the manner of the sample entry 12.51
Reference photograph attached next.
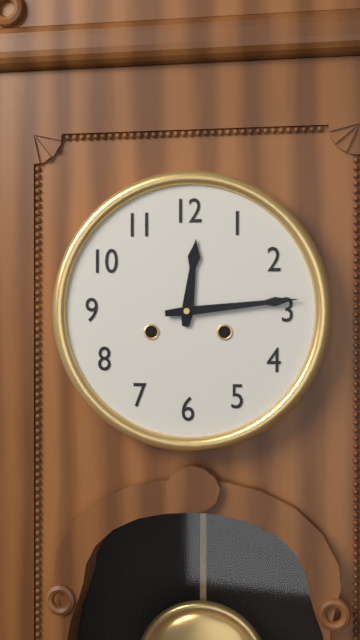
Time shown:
12.14
